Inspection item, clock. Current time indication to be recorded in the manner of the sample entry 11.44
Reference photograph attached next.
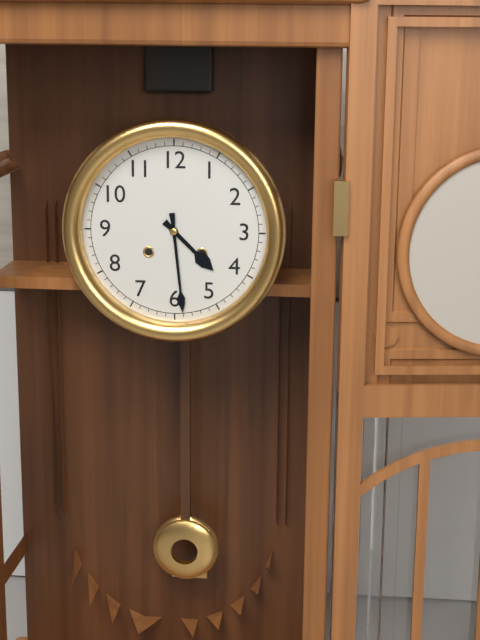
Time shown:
4.29
